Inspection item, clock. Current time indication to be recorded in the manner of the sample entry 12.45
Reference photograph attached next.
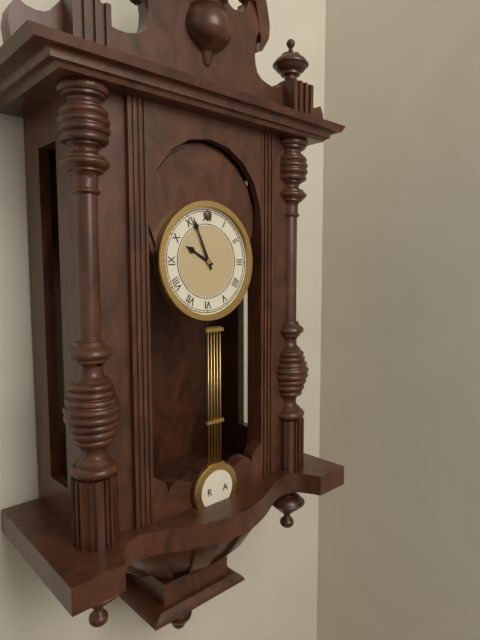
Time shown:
9.56
